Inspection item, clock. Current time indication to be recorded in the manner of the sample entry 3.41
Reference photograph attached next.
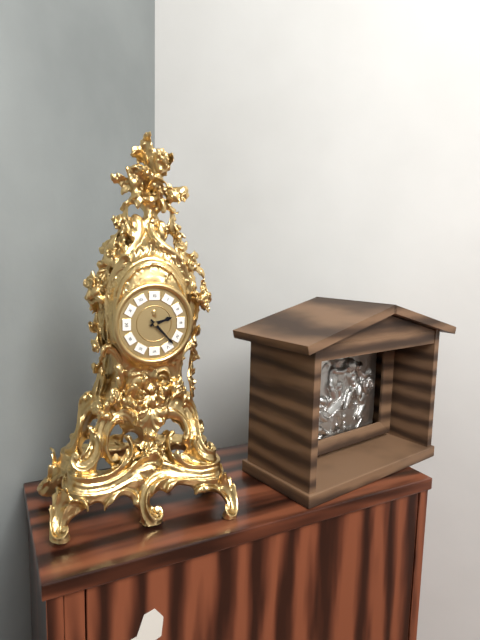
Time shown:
2.23
